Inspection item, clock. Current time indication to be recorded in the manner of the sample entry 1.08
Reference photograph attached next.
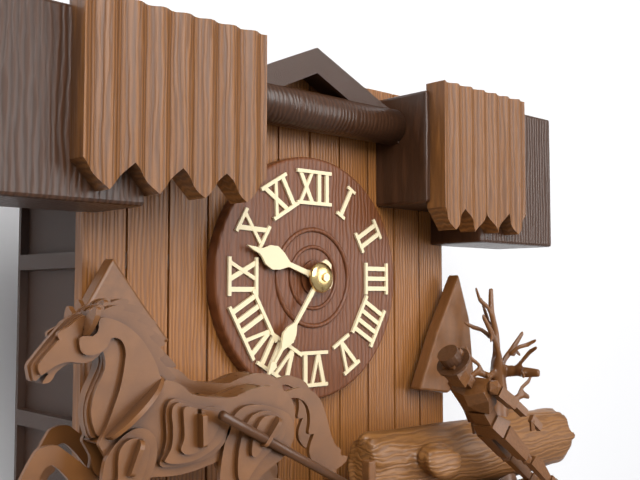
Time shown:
9.36
